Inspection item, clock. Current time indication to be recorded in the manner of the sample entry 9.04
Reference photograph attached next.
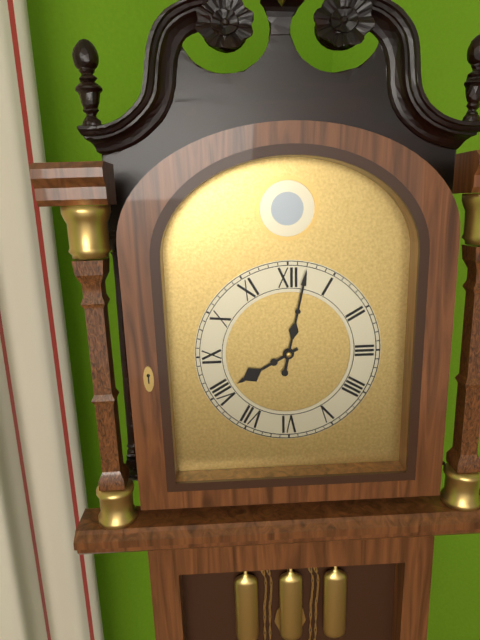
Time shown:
8.02
